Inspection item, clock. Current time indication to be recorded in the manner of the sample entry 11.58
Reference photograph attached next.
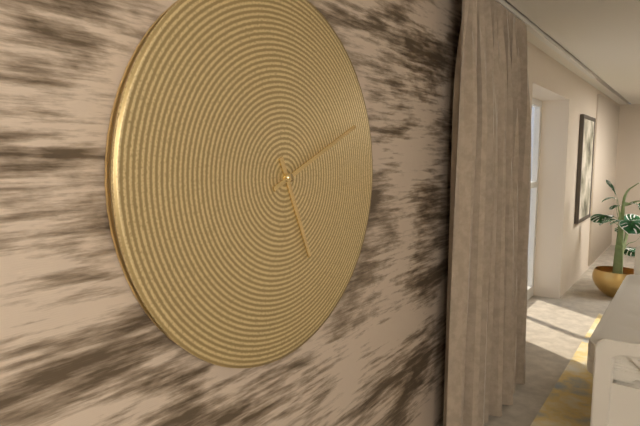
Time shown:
5.11
